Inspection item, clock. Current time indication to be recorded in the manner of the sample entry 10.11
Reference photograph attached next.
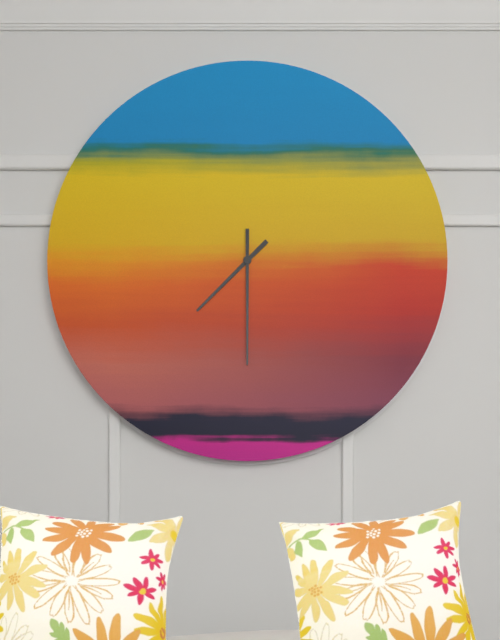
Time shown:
7.30
